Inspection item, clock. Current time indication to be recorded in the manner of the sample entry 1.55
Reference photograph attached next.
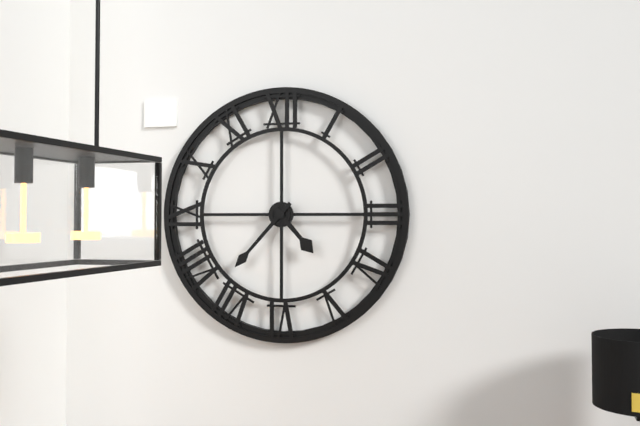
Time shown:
4.37
